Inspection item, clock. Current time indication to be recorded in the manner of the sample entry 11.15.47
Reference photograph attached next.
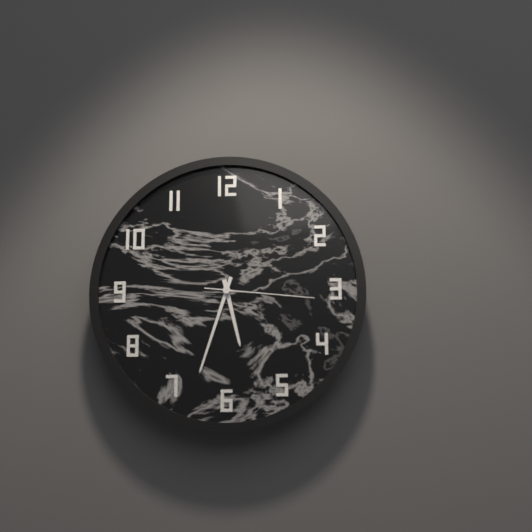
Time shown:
5.33.16
